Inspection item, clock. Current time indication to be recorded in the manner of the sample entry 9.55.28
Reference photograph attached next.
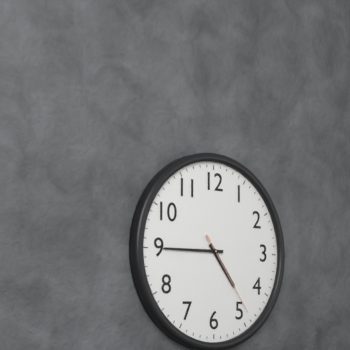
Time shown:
4.45.24
